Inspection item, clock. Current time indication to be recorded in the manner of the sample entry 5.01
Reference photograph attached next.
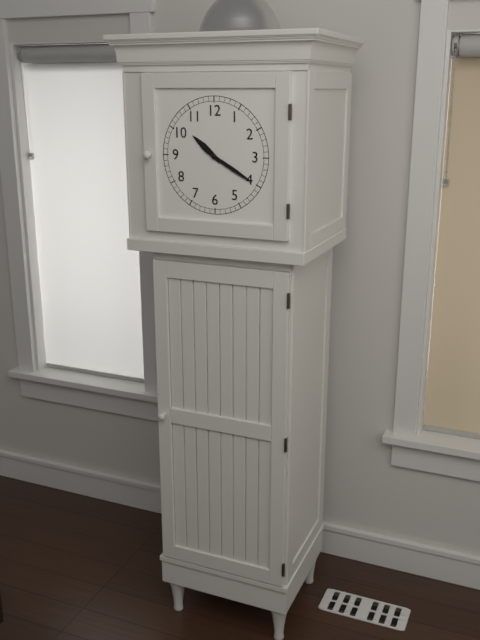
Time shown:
10.20
